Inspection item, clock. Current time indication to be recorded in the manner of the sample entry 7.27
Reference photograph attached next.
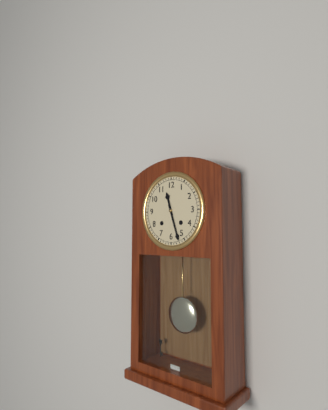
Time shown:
11.27
